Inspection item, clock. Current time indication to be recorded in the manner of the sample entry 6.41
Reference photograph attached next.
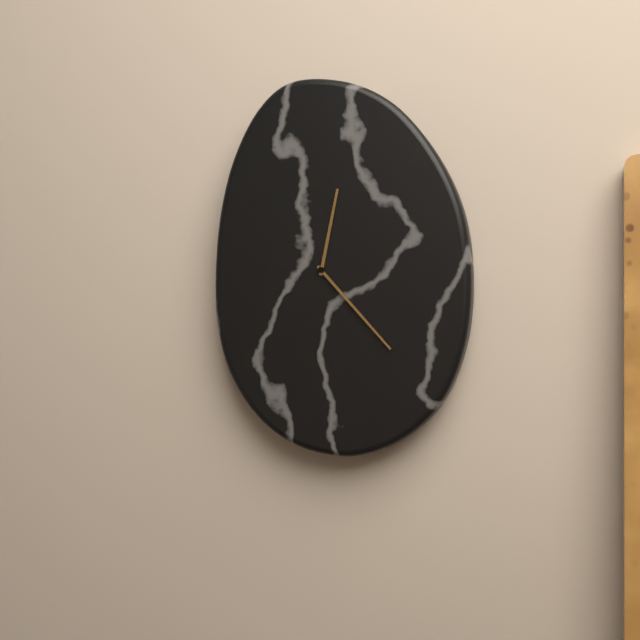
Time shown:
12.23
